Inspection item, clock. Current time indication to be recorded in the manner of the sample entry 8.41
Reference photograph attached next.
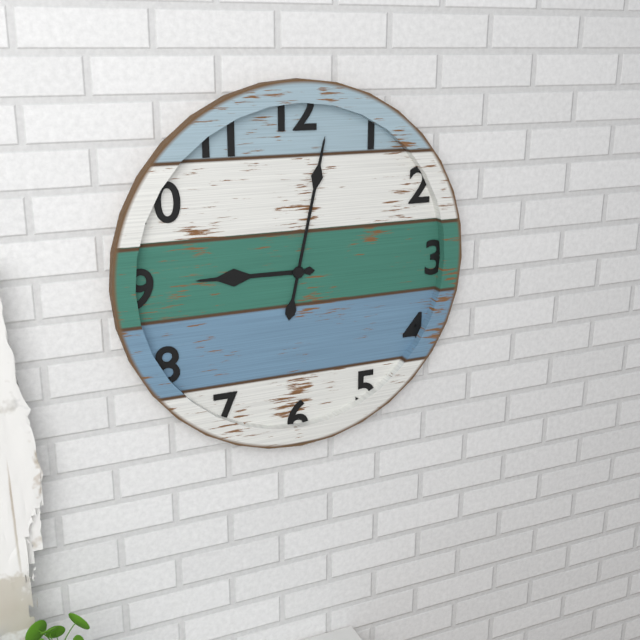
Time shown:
9.02
